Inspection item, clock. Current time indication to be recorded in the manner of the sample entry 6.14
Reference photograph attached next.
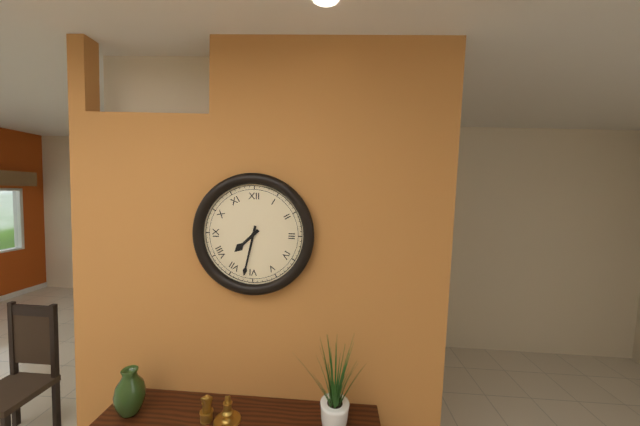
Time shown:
7.32
